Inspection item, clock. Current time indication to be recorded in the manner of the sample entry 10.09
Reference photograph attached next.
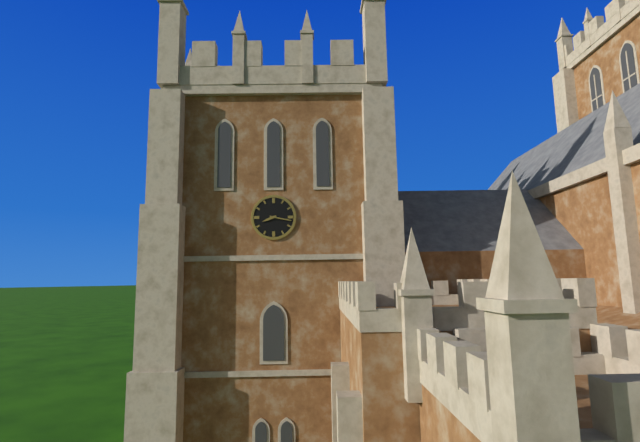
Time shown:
8.17
